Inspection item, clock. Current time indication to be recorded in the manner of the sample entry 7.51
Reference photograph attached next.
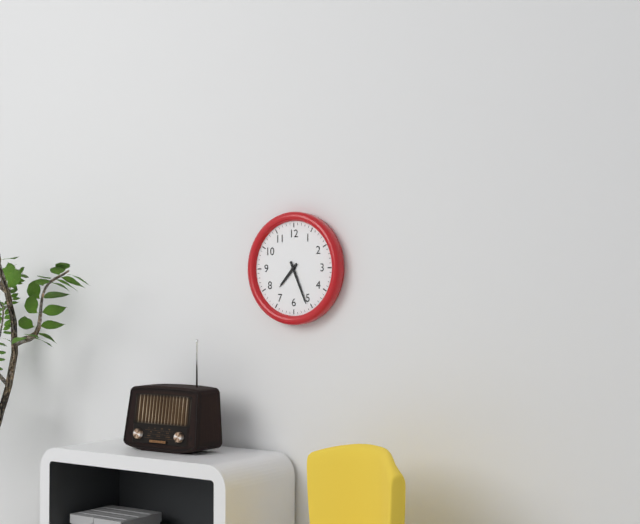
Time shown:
7.26
